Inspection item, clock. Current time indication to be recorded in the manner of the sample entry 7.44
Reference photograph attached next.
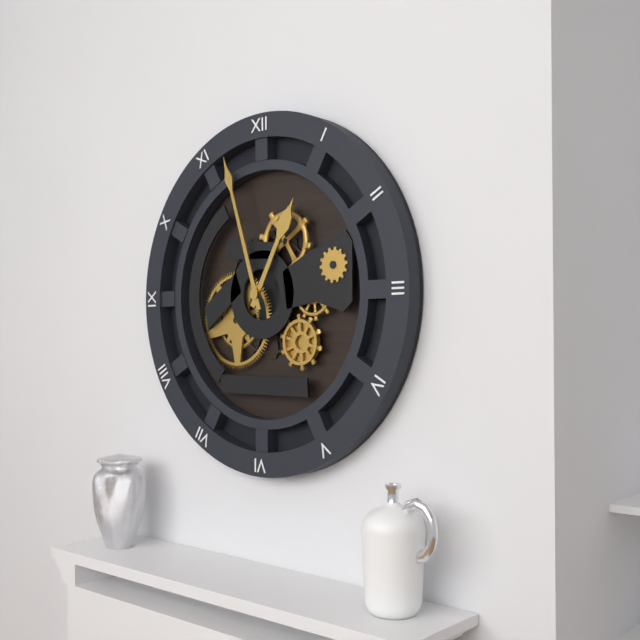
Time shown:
12.57
